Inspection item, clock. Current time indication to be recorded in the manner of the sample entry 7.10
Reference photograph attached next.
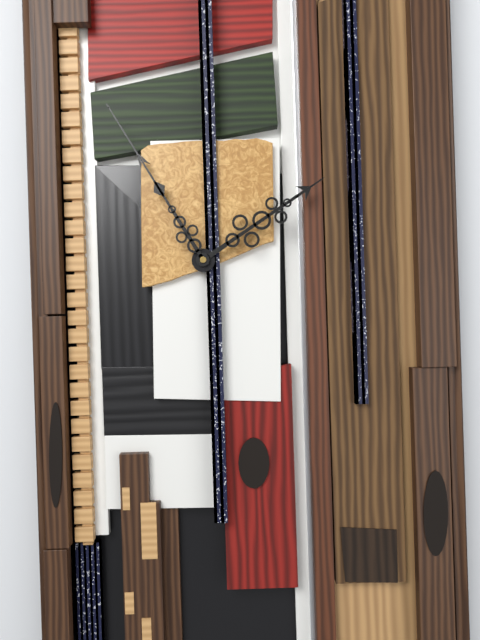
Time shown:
1.55
